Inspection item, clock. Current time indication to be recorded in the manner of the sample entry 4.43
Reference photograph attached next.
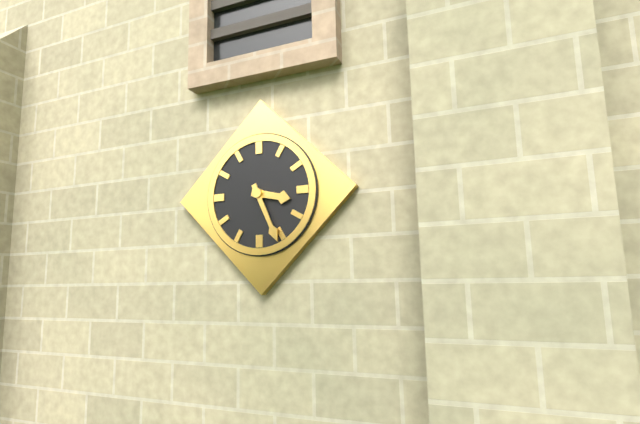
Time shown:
3.26
